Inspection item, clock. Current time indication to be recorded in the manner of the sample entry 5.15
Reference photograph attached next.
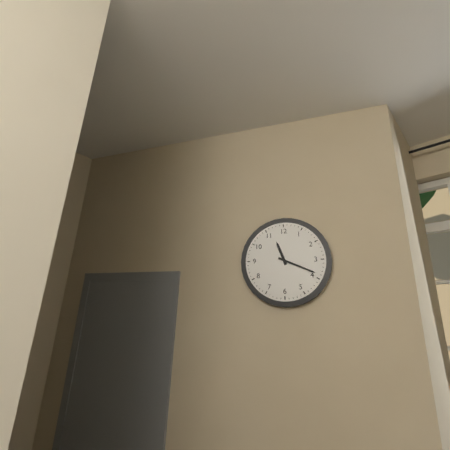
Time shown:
11.19
